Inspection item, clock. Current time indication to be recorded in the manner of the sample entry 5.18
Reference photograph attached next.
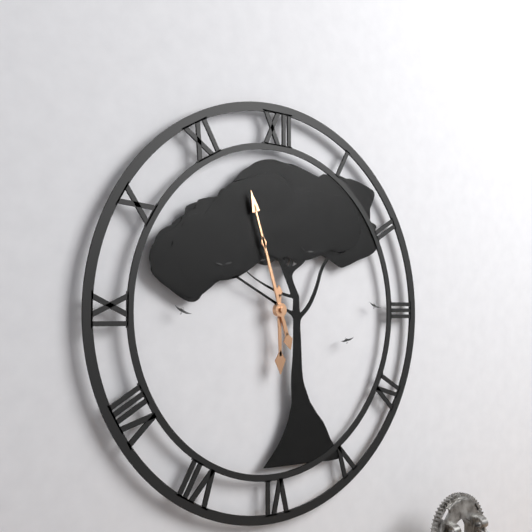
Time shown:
5.57
